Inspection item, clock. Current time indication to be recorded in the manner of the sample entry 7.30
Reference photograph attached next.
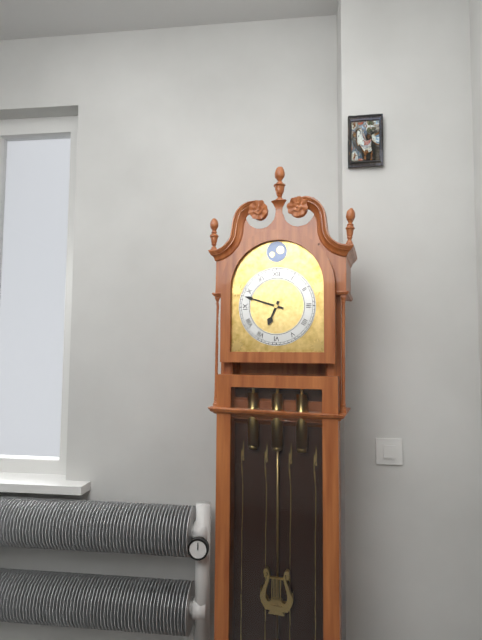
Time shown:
6.48
